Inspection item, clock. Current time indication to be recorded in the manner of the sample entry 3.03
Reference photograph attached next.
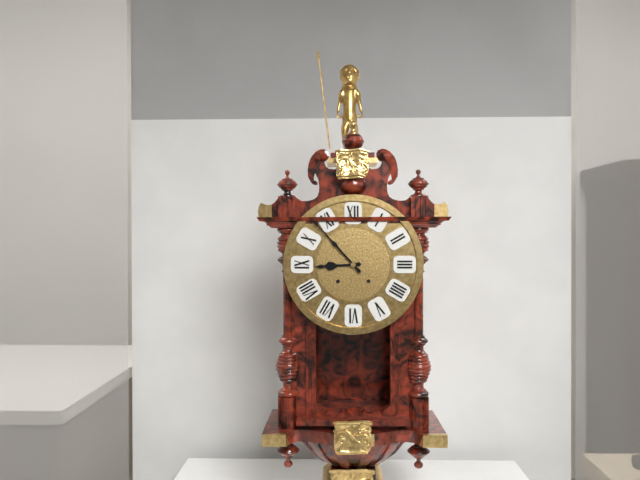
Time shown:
8.53
